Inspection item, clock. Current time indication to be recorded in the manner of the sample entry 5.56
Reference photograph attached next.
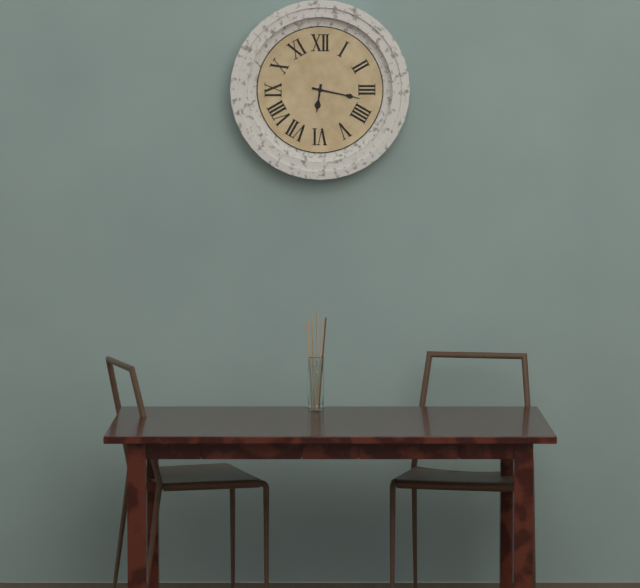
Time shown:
6.17
